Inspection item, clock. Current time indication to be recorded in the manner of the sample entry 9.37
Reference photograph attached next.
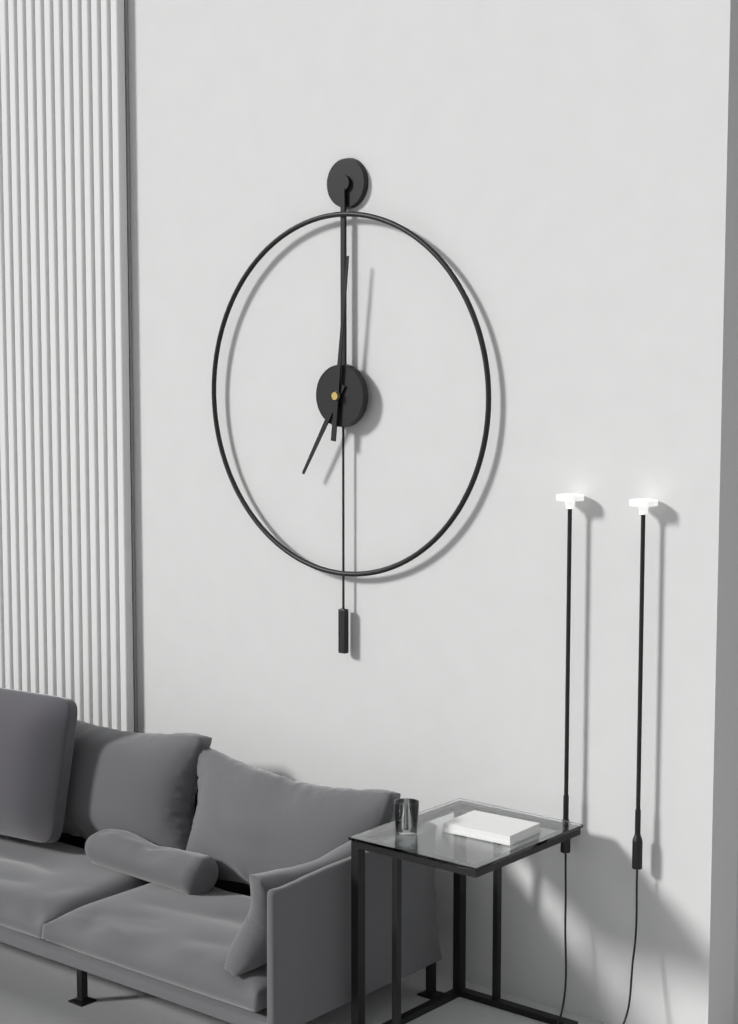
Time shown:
7.01
